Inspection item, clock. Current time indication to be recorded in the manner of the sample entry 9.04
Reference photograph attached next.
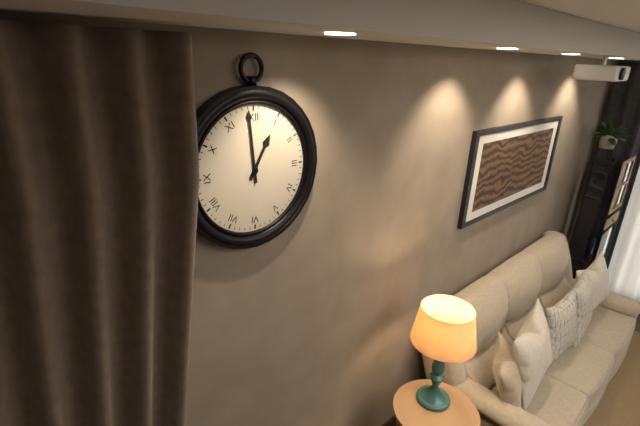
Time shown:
12.59
